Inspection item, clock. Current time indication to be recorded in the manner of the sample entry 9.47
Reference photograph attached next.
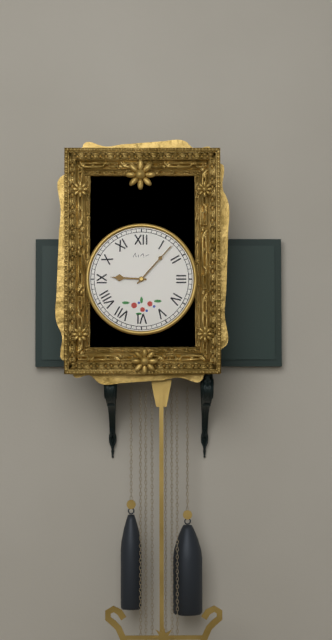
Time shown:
9.07
